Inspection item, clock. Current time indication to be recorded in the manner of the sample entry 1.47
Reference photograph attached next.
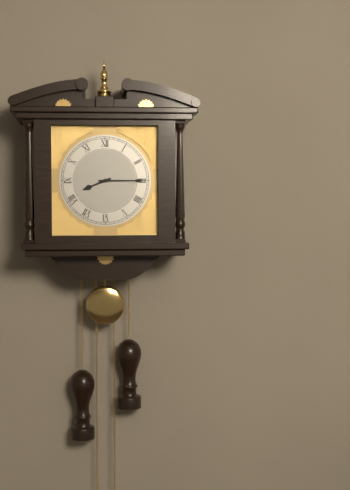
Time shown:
8.15
